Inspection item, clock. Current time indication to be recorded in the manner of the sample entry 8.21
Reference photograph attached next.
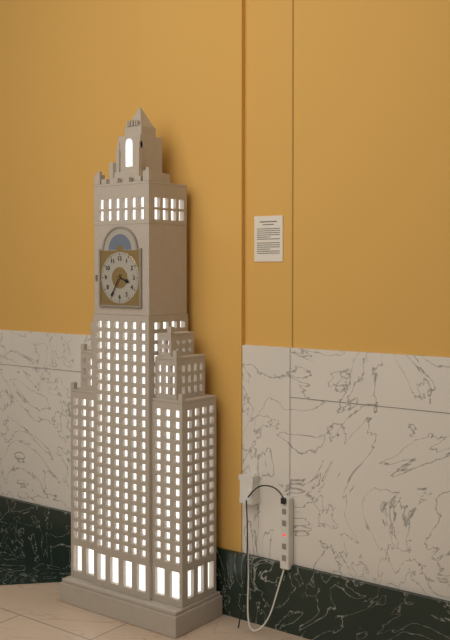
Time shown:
3.35
